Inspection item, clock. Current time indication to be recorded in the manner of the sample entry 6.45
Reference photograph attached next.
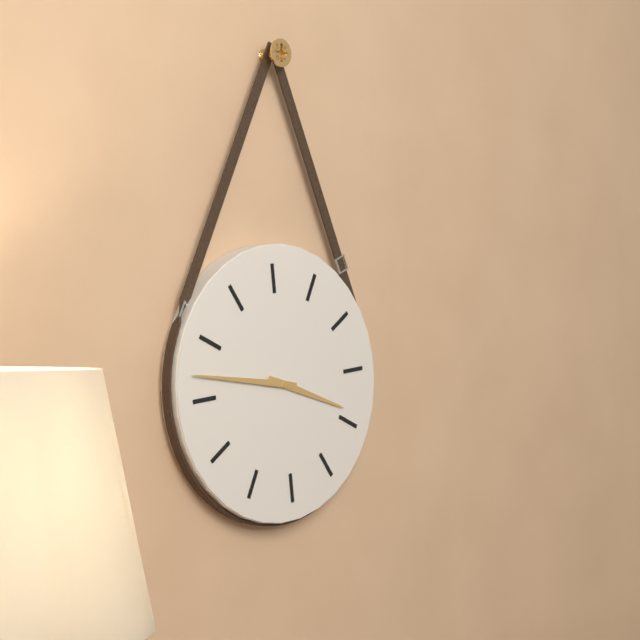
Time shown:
3.47
